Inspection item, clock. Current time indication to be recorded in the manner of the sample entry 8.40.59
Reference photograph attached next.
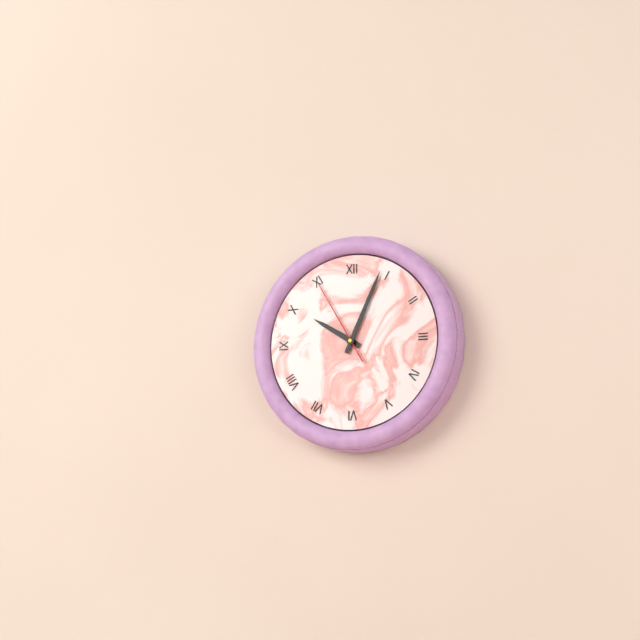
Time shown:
10.04.55
